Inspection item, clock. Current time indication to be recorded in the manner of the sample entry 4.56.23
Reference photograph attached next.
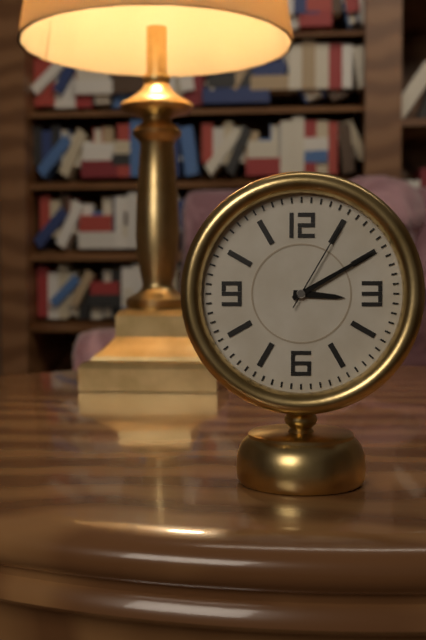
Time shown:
3.10.05
